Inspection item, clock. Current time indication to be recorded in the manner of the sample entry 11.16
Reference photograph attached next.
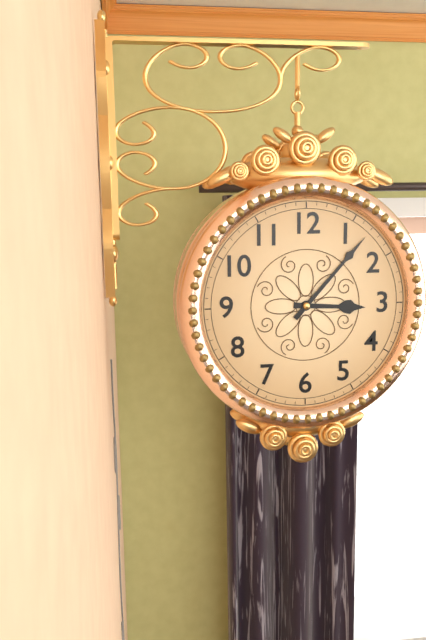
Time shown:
3.07
